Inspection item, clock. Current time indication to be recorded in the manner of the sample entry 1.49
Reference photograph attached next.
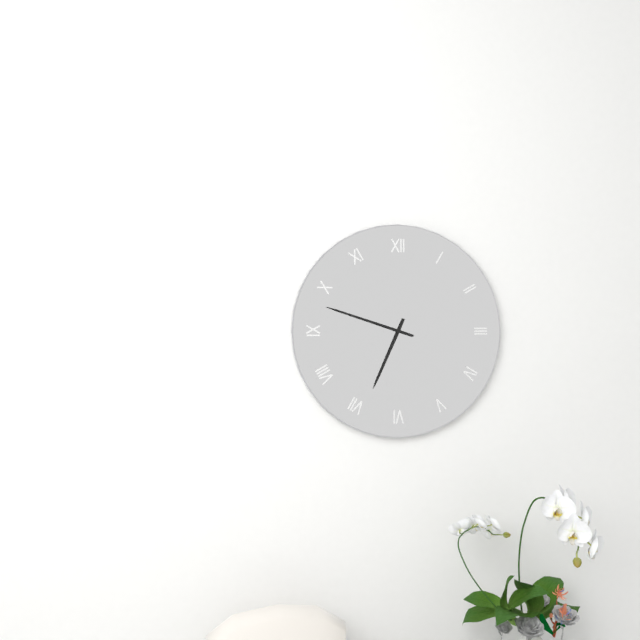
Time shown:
6.48
